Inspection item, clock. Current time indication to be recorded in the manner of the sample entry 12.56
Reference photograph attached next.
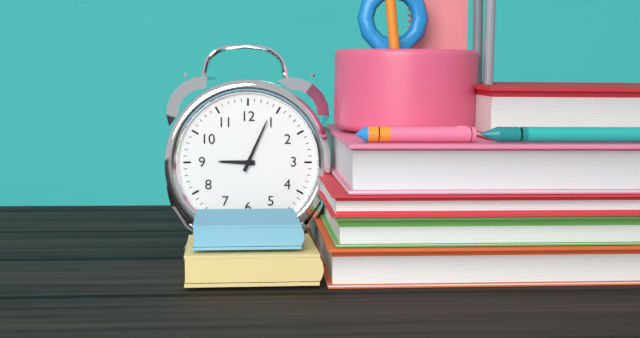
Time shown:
9.04
